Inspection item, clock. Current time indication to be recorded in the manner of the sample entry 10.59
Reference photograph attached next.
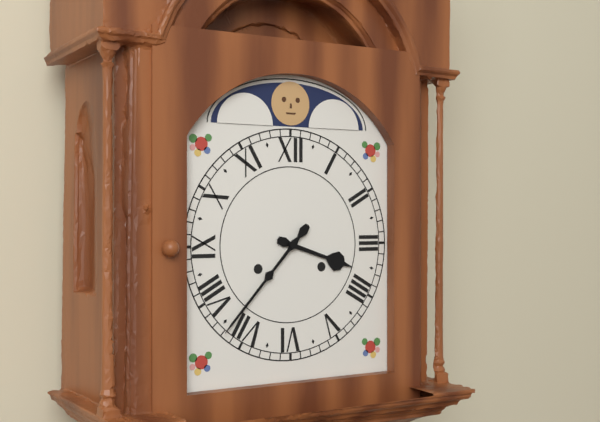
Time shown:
3.37
